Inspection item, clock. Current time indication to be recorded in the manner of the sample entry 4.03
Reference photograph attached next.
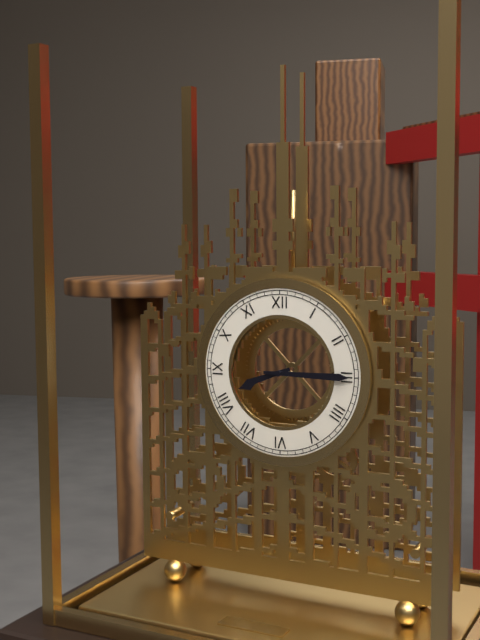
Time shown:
8.15
